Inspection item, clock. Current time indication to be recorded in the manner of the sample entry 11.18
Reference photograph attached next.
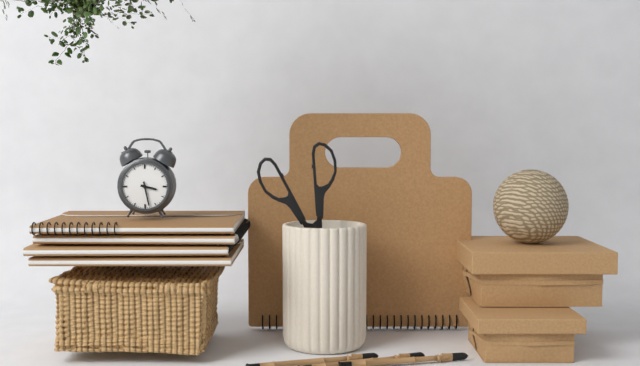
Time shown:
3.28
